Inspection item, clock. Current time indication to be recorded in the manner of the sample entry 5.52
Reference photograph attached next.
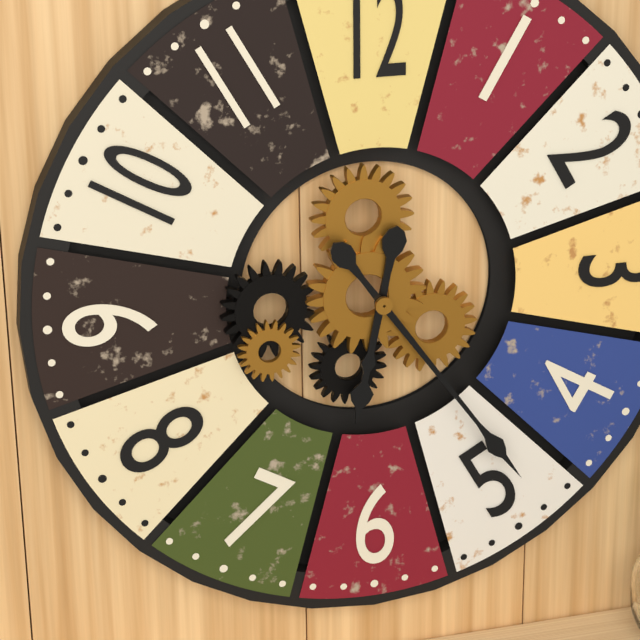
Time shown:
6.24
